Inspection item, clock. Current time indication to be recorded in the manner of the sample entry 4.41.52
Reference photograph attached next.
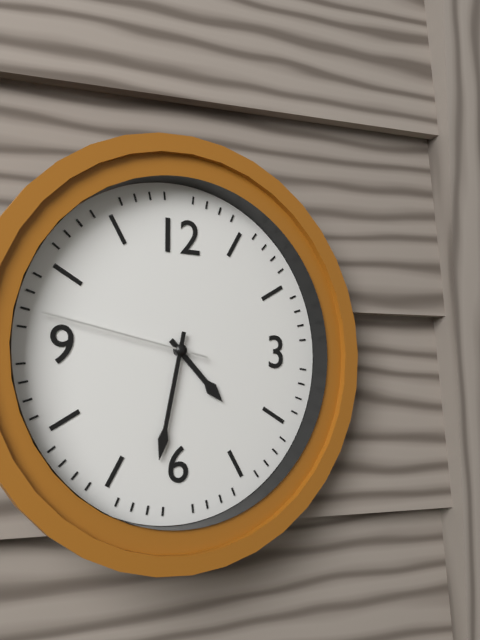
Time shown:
4.32.47
